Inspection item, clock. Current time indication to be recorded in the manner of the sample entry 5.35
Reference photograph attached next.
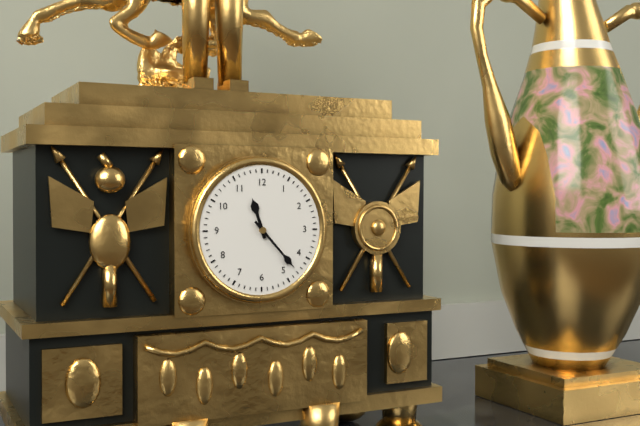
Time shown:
11.23
